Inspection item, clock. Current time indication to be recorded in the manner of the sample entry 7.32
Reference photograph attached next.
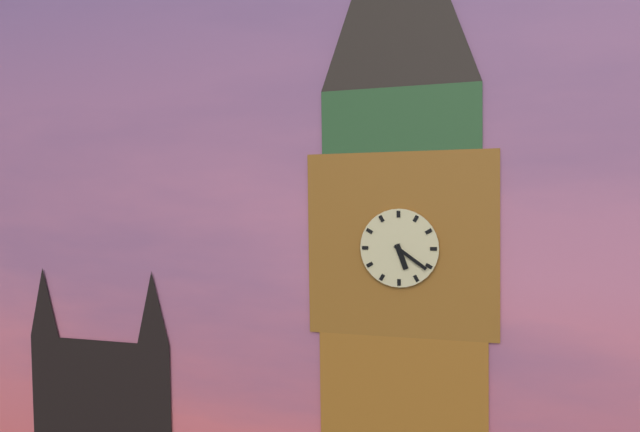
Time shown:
5.21
